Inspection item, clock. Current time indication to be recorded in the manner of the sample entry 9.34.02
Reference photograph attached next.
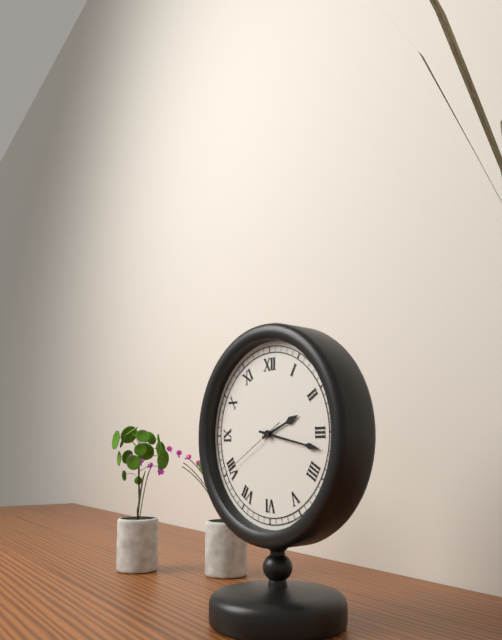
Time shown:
2.17.40
